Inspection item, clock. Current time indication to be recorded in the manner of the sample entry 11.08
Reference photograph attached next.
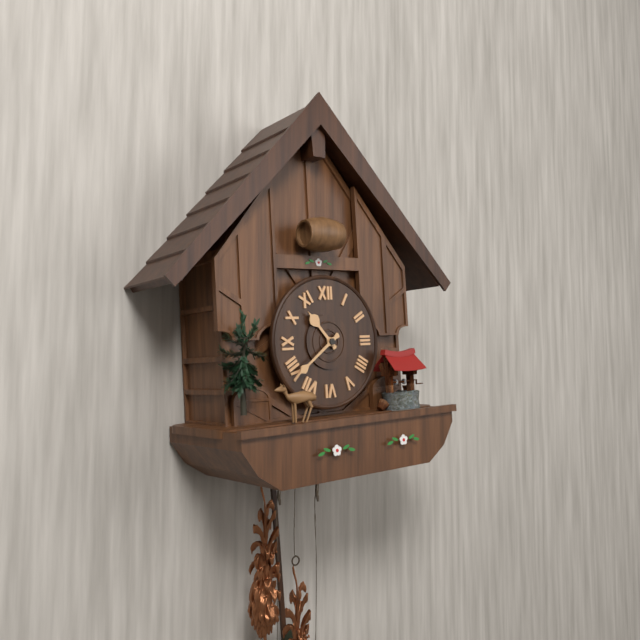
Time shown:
10.39
